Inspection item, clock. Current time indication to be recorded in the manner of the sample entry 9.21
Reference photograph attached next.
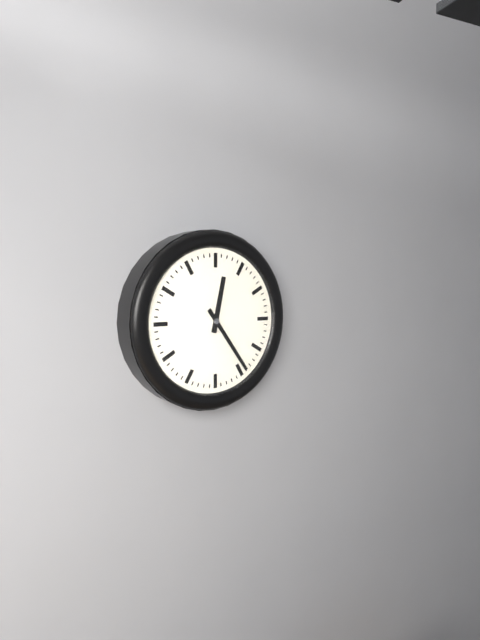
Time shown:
12.24
